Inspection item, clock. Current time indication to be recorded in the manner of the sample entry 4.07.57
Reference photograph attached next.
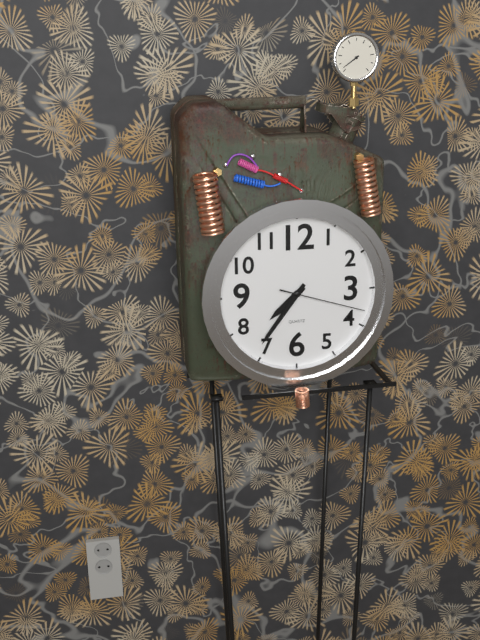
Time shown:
7.36.18
